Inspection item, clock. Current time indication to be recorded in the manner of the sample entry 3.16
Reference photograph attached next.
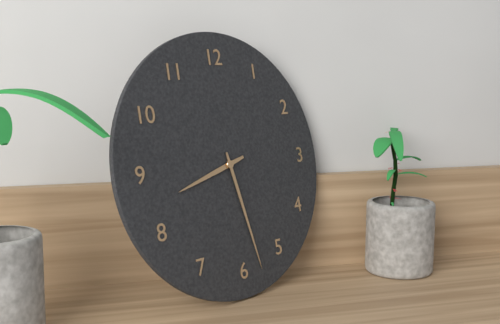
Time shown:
8.28
